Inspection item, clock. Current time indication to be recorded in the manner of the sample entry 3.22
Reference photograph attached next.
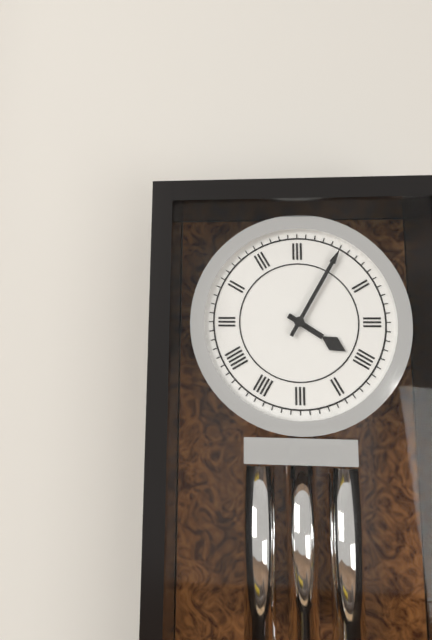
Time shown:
4.05
